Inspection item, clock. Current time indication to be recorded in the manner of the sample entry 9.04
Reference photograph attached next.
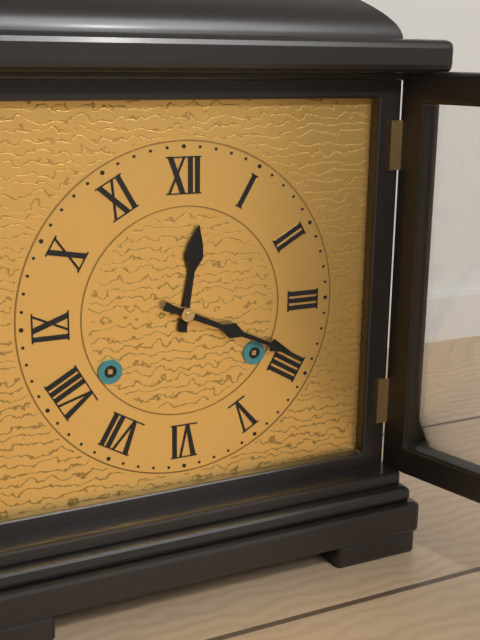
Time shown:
12.19
